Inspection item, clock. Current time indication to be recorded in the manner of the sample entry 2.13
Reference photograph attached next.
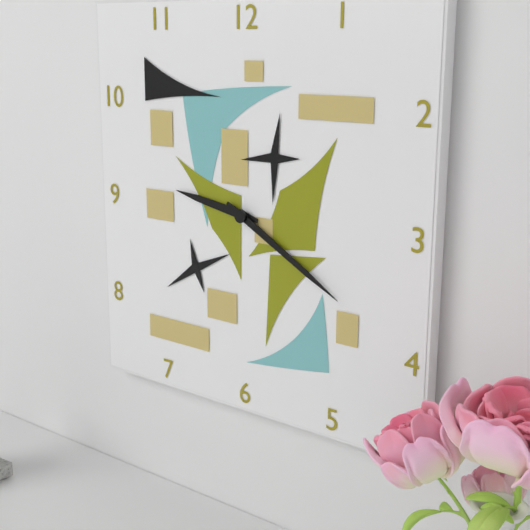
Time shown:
9.20
